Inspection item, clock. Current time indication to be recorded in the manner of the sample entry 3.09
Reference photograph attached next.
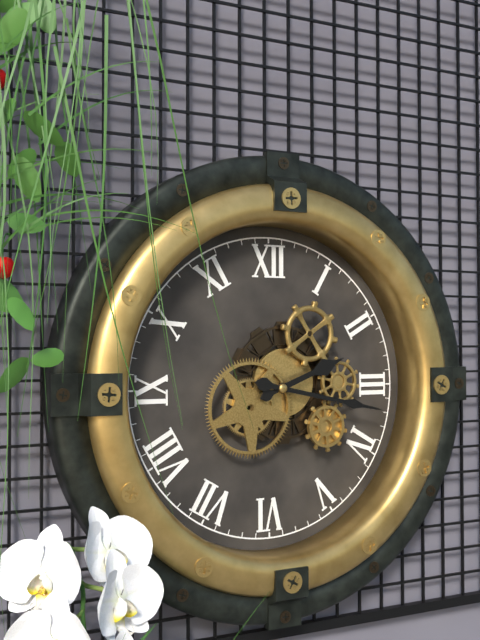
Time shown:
2.17
